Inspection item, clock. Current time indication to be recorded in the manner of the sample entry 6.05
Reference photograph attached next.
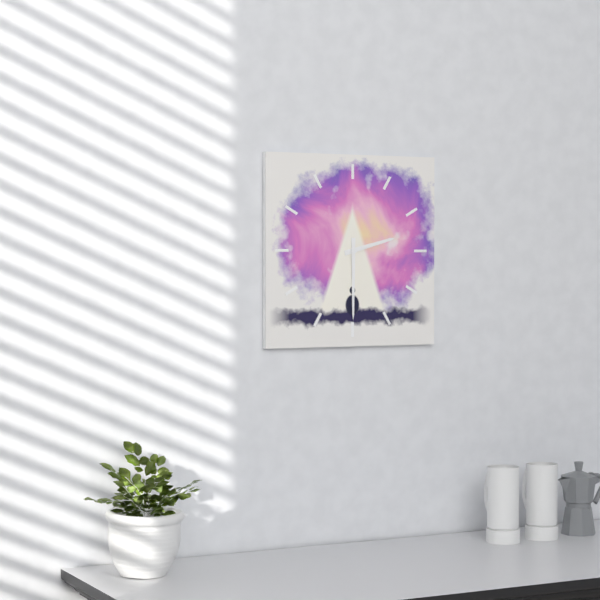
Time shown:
2.30
